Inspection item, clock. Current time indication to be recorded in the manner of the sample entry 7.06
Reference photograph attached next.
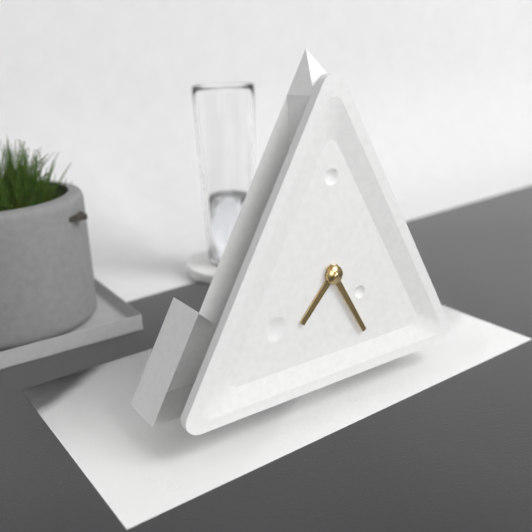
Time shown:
7.25
